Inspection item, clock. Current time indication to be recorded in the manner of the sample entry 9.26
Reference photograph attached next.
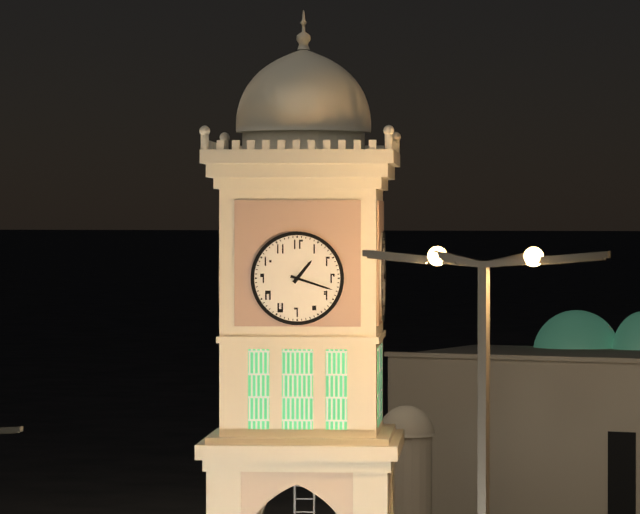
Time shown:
1.18
